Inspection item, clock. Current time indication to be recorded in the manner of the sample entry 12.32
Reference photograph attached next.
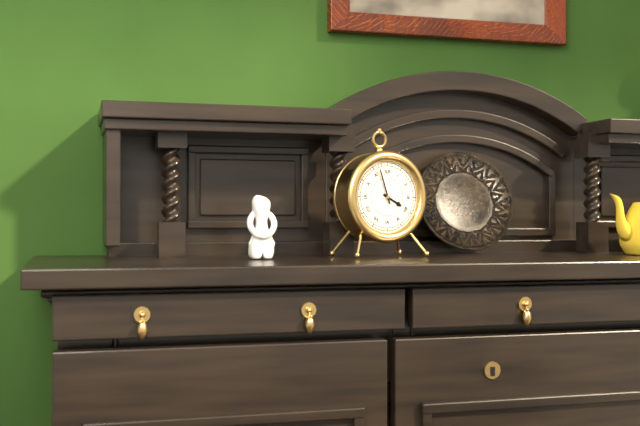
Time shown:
3.57
